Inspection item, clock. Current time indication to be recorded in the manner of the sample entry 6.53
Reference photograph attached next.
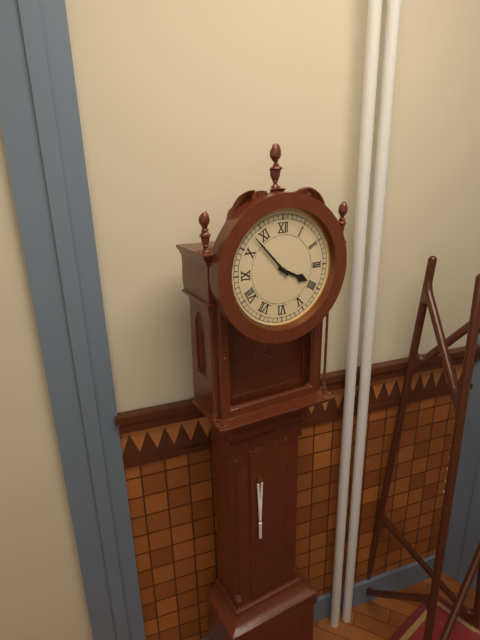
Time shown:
3.53
